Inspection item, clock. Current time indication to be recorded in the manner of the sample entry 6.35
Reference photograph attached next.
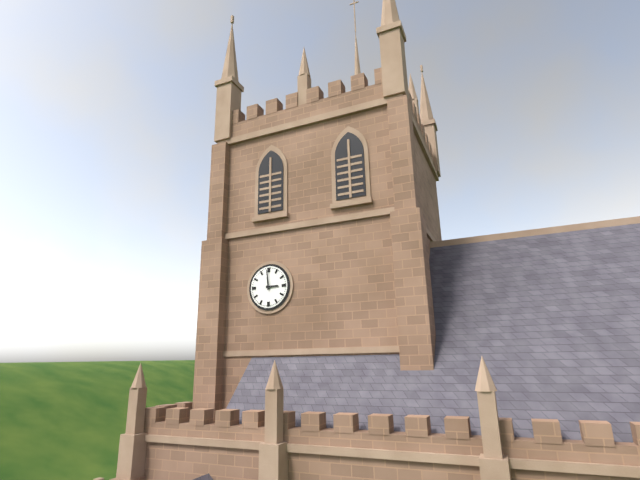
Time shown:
2.59
